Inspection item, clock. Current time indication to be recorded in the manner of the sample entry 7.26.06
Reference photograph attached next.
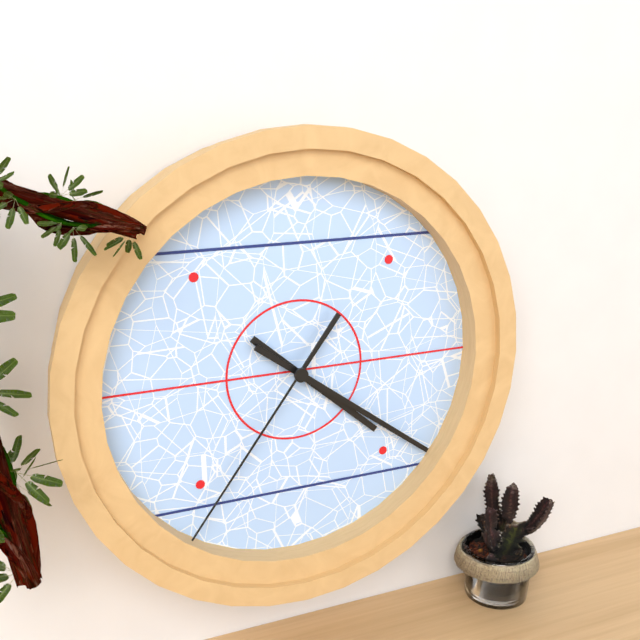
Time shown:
4.21.36
